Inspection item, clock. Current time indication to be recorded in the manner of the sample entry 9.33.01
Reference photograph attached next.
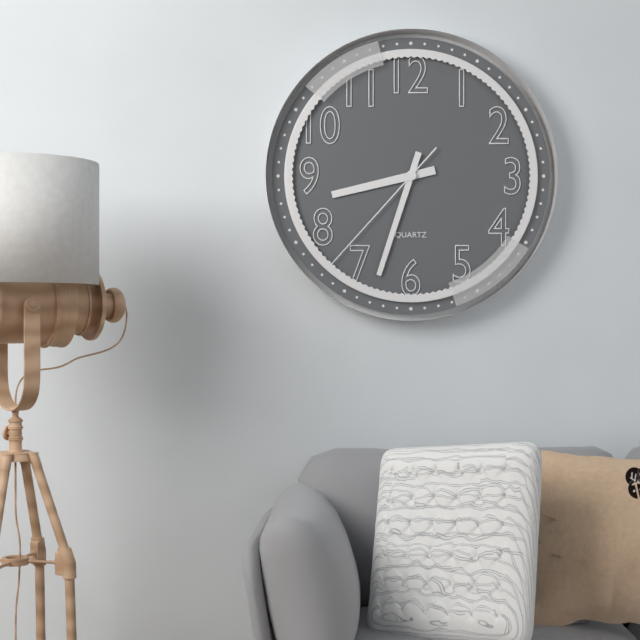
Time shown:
8.33.37
